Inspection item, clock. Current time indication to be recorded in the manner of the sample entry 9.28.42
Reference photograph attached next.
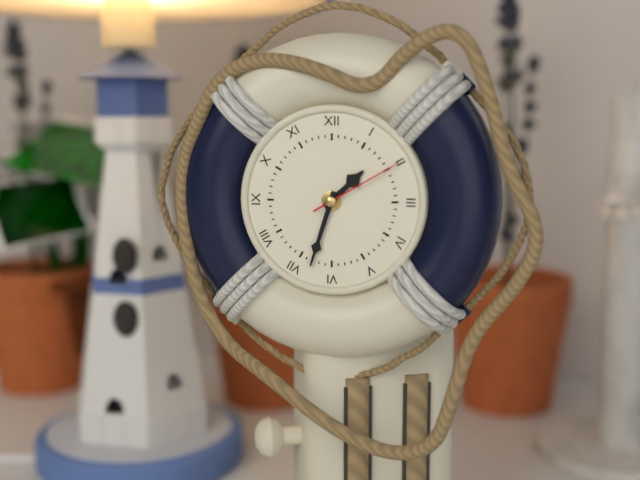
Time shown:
1.33.10
